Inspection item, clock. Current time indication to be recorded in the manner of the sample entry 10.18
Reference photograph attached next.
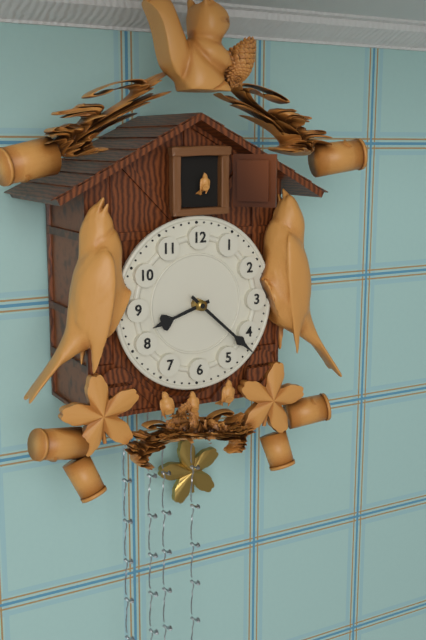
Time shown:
8.22
